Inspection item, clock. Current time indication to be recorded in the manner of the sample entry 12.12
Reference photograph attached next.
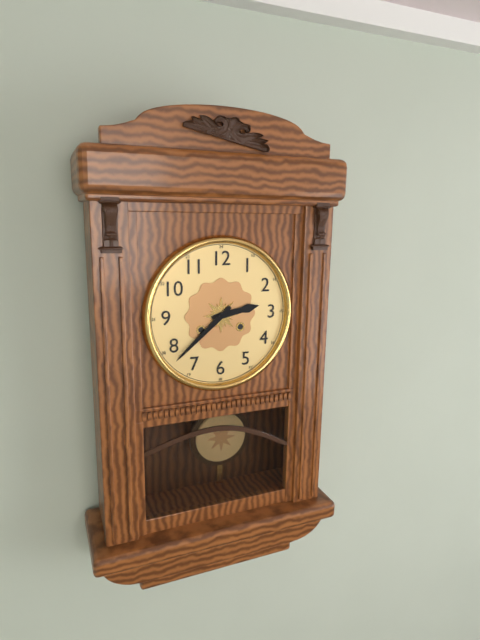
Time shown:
2.38
